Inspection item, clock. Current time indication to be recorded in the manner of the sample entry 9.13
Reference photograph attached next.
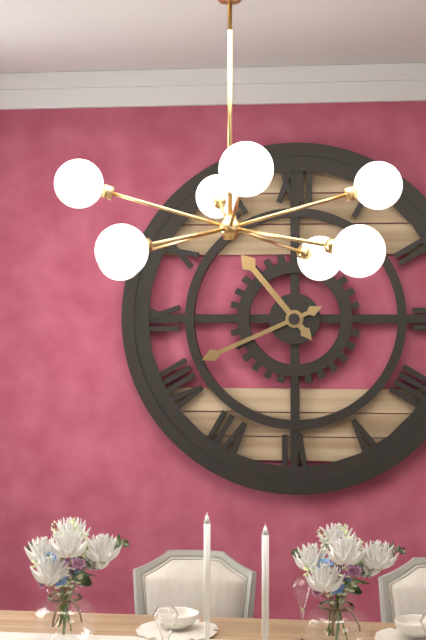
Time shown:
10.41
